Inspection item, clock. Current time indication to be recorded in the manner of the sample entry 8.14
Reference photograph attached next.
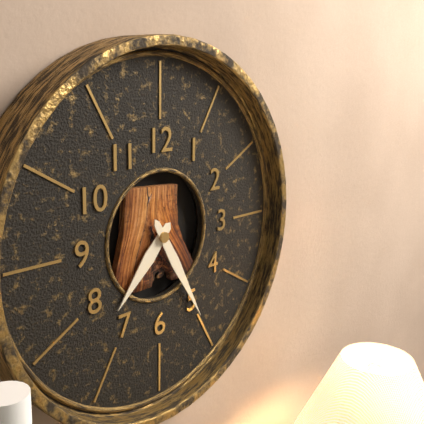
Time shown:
7.25
